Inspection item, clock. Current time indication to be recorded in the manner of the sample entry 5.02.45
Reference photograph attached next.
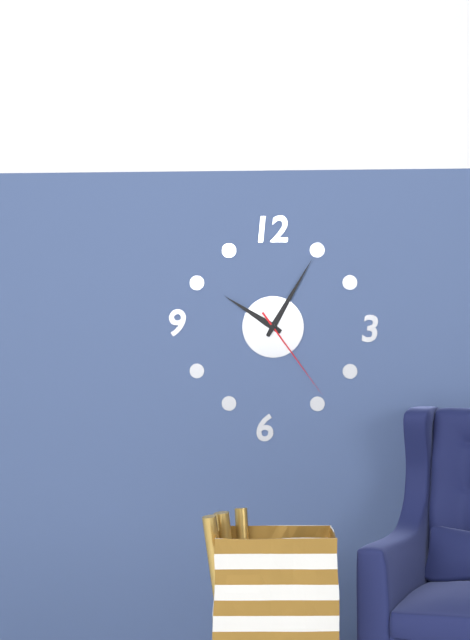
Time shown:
10.05.24
